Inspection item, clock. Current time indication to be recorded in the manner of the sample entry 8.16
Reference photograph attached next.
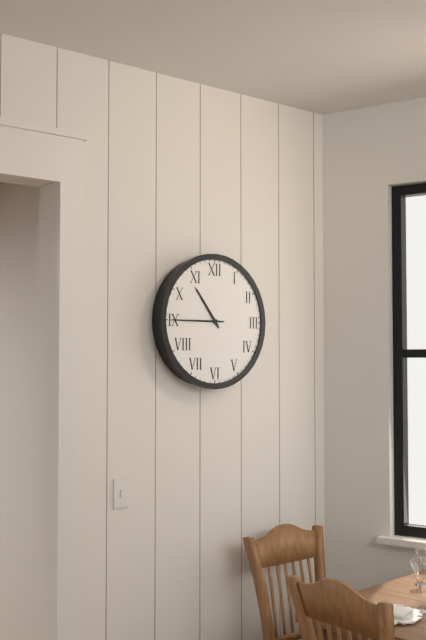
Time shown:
10.45
